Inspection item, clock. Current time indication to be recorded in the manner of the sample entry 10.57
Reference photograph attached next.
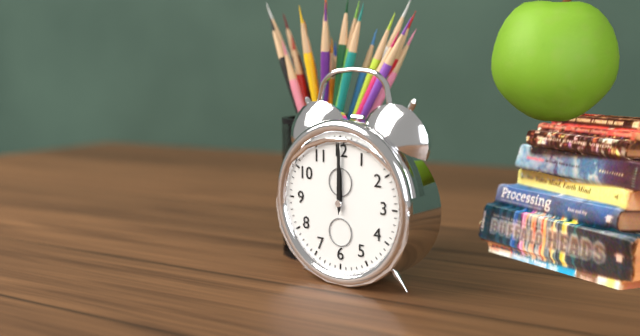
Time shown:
12.00
